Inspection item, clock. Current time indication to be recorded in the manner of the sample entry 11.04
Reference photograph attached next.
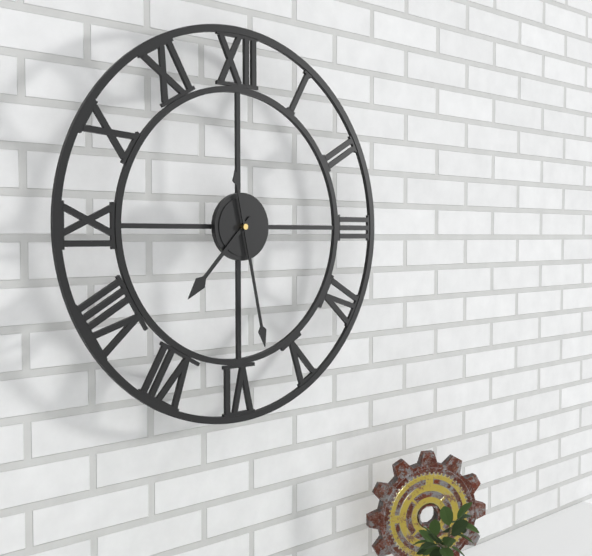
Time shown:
7.28
